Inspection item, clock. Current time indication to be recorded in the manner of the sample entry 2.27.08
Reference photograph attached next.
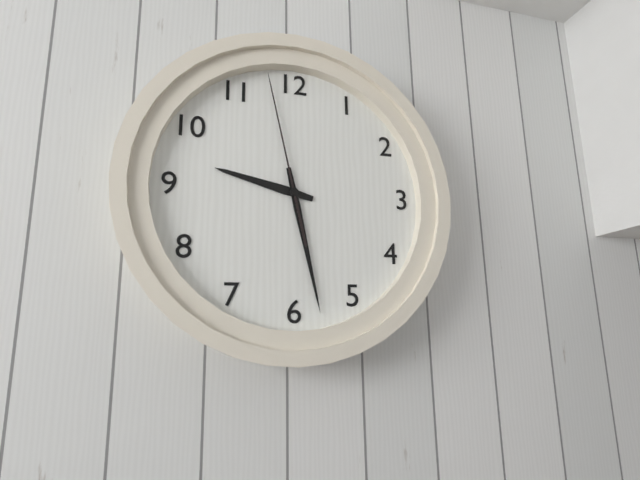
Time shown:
9.28.58
